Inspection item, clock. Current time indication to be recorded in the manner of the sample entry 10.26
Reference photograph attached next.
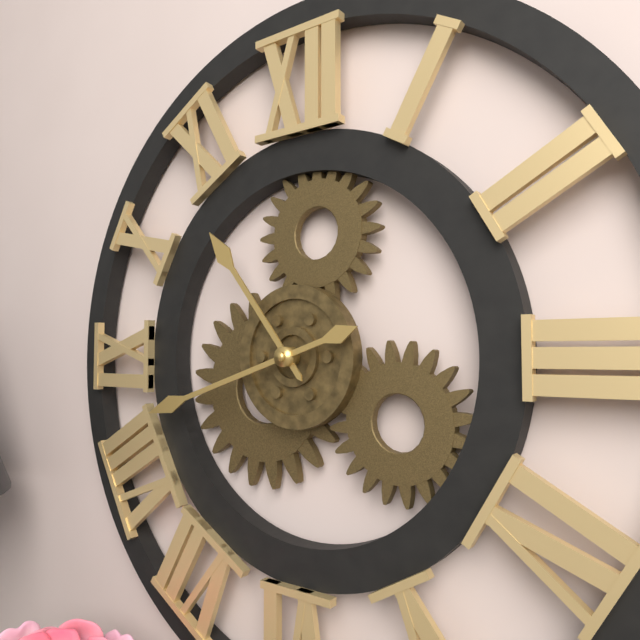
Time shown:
10.42
